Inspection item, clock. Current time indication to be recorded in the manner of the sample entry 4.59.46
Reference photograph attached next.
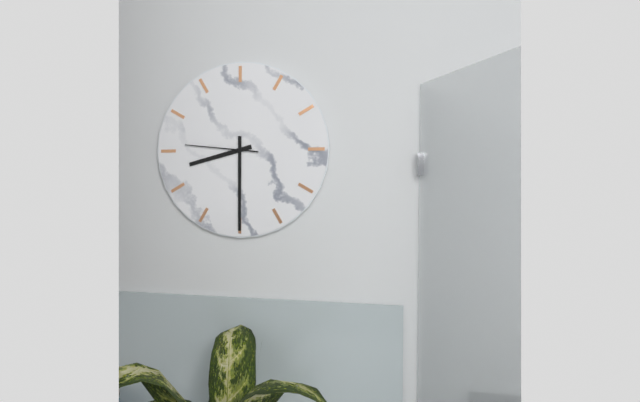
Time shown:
8.30.46
